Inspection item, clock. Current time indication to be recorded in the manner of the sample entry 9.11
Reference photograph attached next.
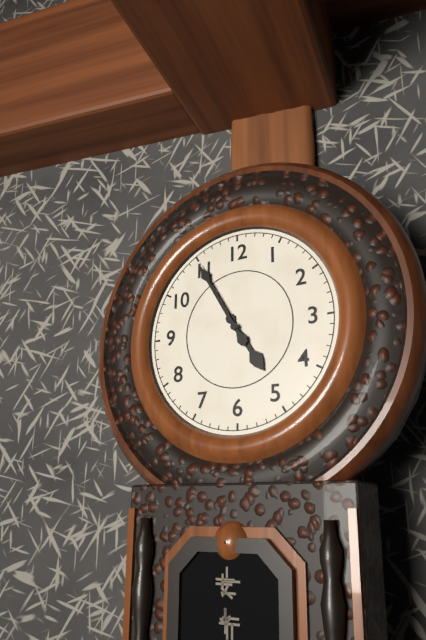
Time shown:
4.55
